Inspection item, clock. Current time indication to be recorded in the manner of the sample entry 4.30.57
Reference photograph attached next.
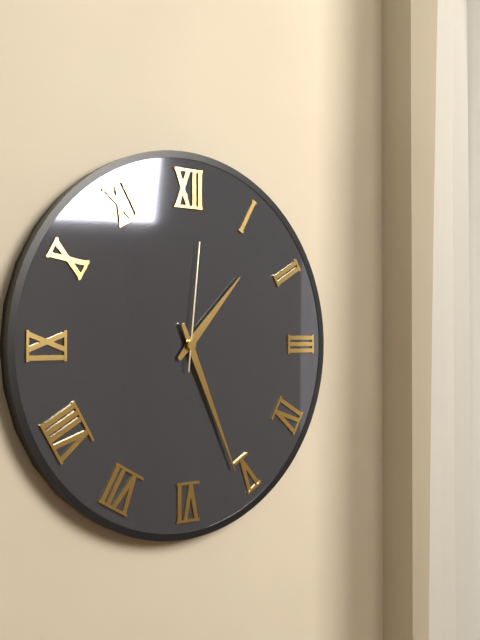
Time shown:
1.26.01
